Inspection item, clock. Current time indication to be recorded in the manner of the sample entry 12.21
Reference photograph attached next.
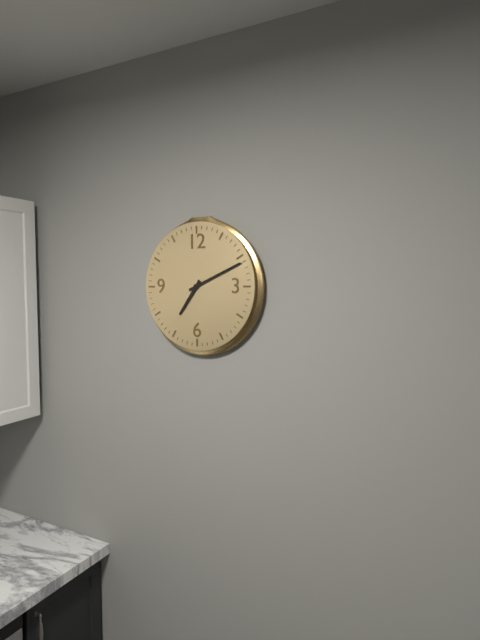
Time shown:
7.11
